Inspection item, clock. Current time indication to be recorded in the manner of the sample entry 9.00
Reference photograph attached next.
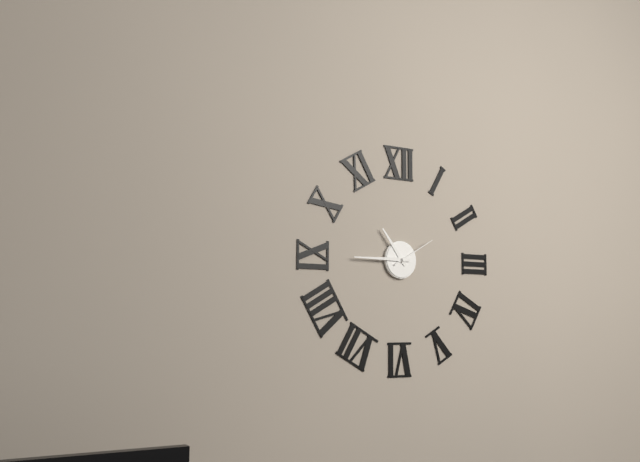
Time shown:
10.45
